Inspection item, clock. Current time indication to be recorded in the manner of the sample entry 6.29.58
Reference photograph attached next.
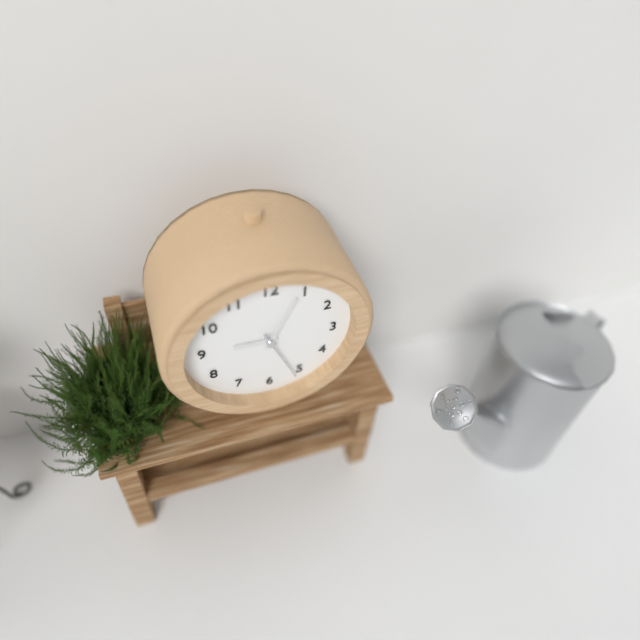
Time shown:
9.04.26
